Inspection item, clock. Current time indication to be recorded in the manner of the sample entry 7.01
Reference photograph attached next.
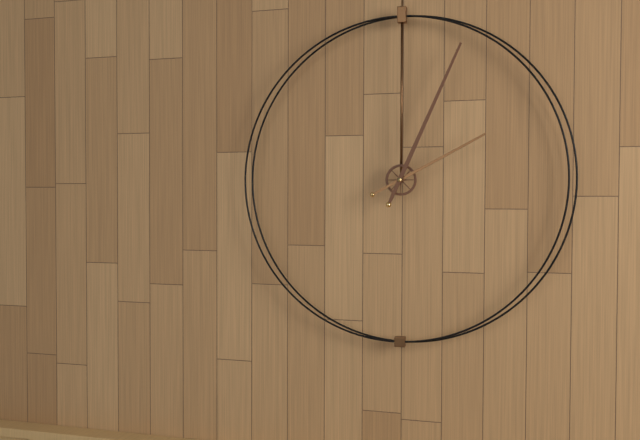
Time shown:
2.04
